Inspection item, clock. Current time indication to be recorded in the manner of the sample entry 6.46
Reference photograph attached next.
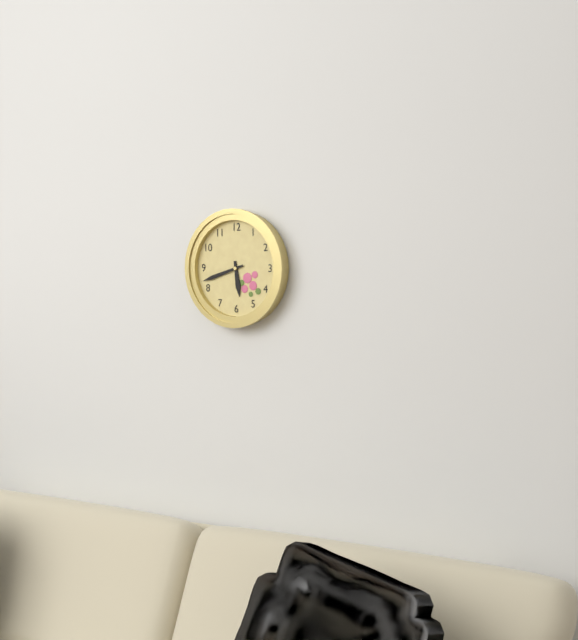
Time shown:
5.42
